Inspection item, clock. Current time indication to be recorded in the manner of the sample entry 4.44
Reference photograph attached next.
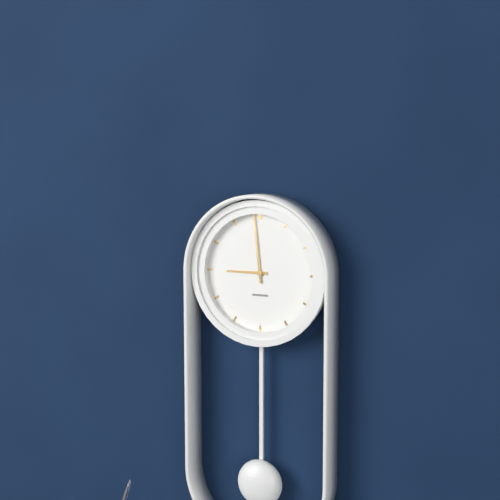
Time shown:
8.59
